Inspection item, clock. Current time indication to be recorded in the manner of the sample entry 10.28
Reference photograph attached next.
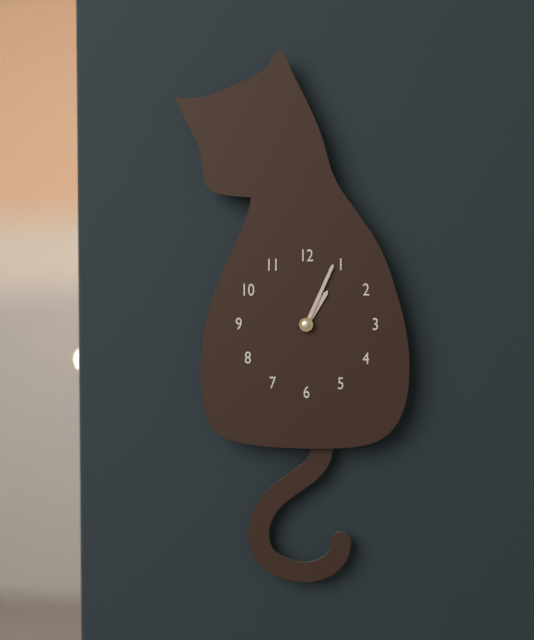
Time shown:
1.04
